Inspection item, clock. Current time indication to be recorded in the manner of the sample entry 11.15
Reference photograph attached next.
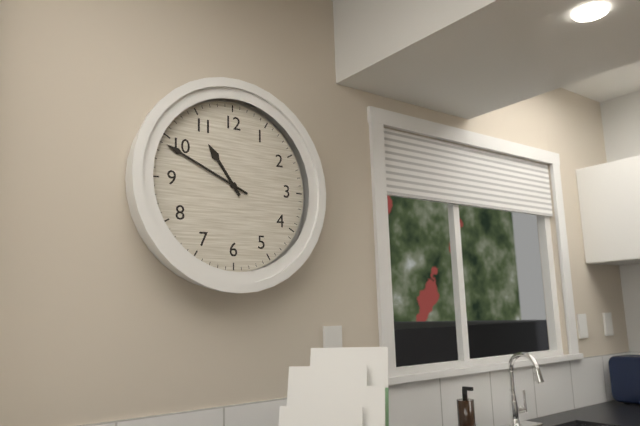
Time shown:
10.49
